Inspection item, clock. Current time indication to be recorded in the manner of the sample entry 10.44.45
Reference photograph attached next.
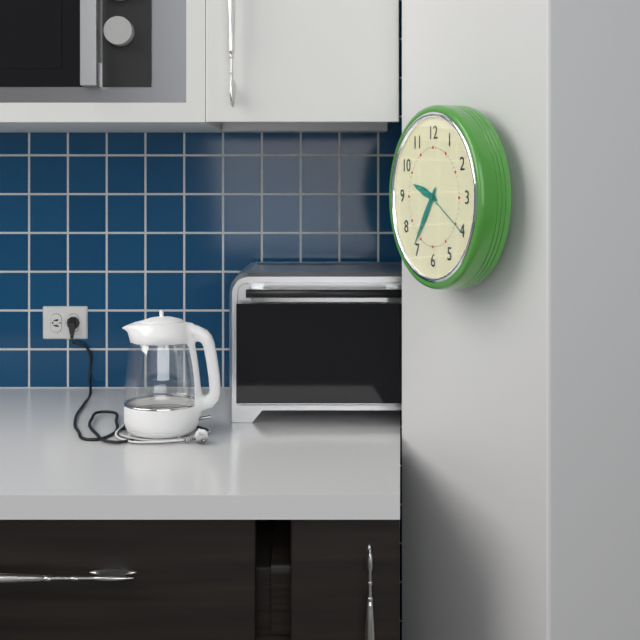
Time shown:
9.36.20
